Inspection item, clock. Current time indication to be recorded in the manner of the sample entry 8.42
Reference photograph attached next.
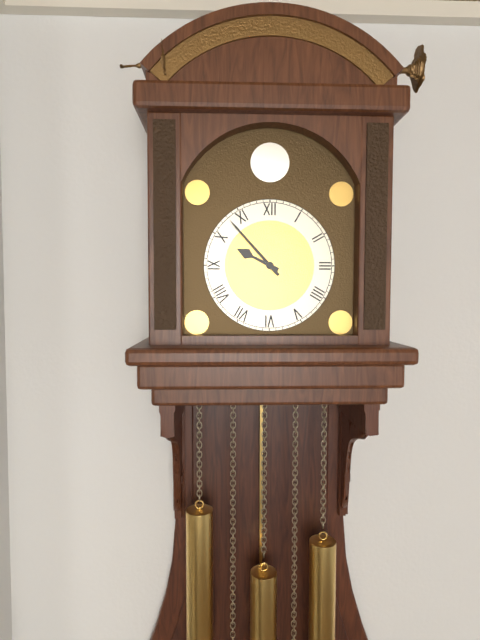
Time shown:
9.53
